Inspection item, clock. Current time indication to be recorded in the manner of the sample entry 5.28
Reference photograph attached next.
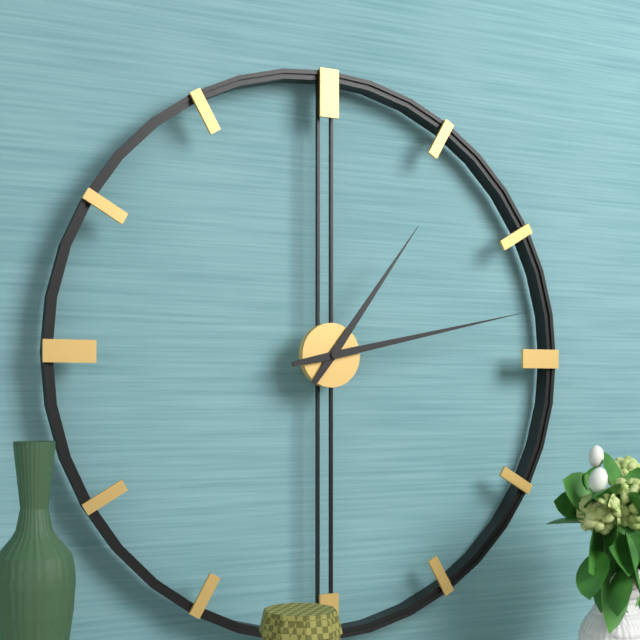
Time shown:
1.13
